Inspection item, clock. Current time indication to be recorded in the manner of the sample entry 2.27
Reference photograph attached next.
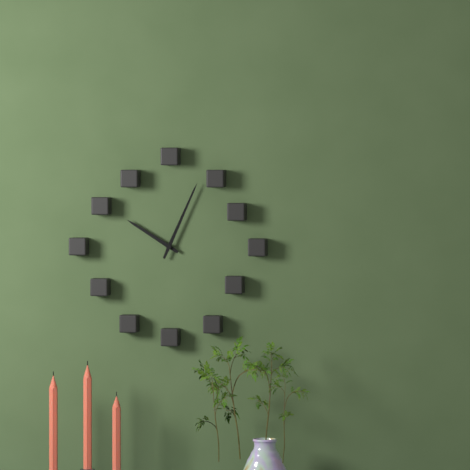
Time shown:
10.04
